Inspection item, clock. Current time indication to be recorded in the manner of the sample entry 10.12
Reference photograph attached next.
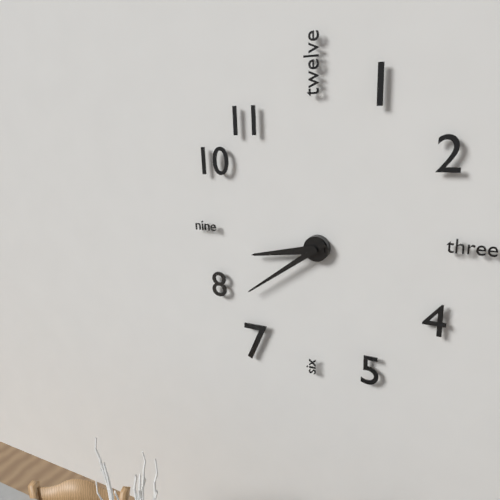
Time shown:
8.39
